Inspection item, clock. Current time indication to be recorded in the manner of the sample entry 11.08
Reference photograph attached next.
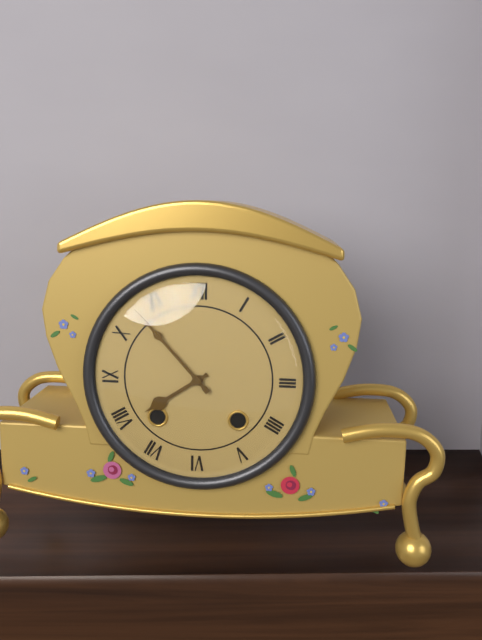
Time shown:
7.53
